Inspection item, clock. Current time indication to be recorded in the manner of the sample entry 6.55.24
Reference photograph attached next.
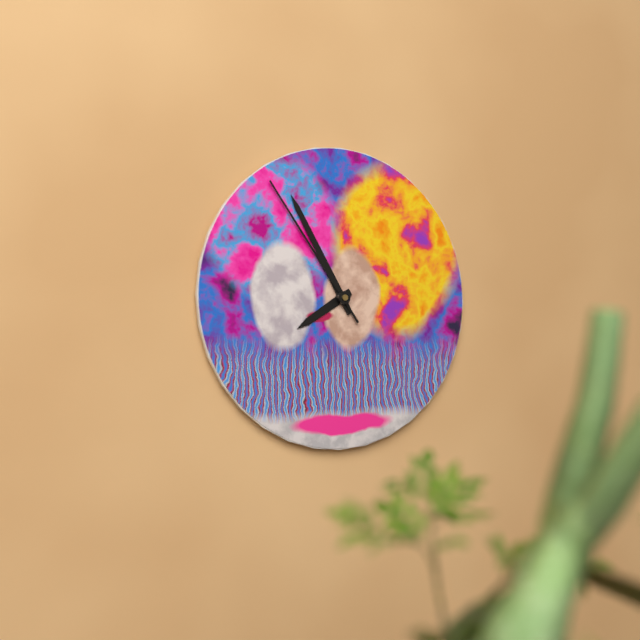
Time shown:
7.55.54
